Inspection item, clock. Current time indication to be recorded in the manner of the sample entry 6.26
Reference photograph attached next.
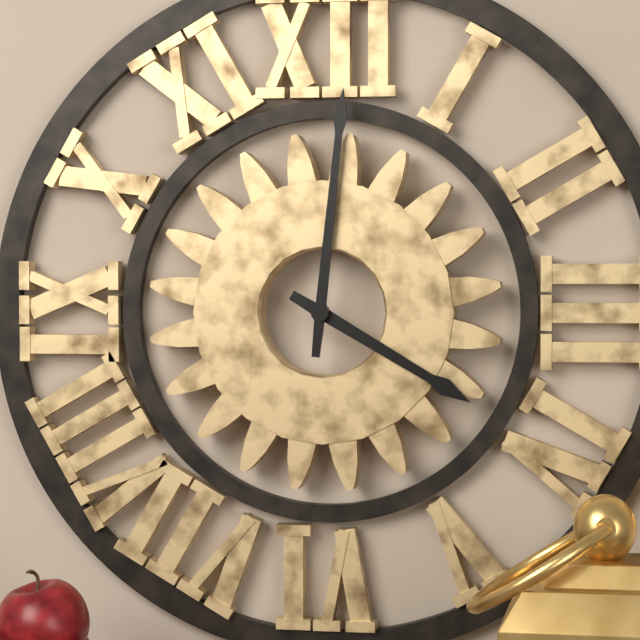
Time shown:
4.01
